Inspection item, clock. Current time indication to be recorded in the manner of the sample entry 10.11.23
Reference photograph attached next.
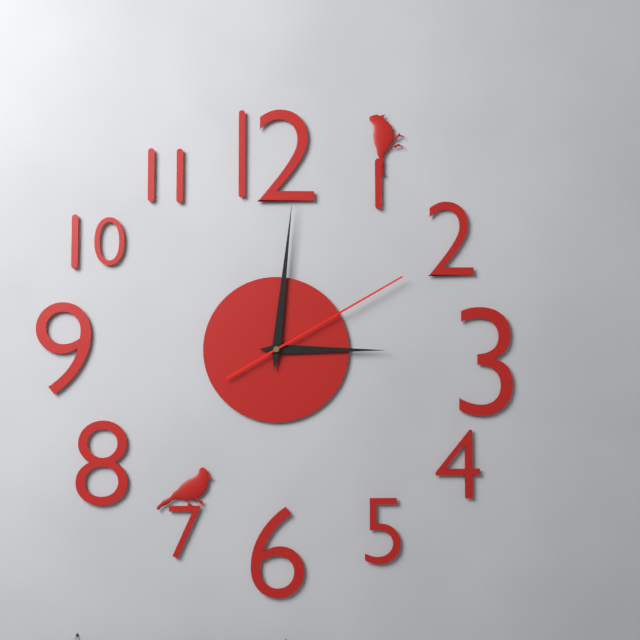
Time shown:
3.01.10
